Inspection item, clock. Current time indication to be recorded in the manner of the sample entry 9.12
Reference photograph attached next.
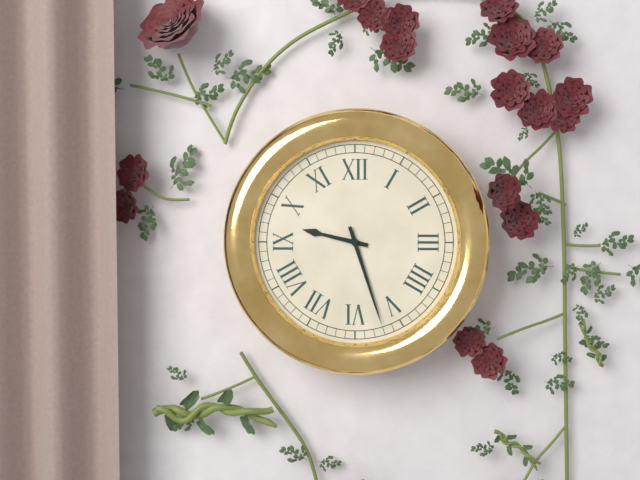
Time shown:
9.27
